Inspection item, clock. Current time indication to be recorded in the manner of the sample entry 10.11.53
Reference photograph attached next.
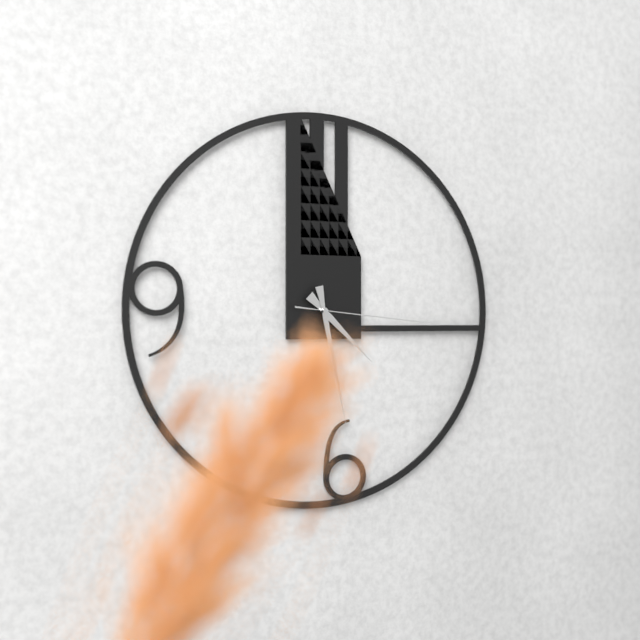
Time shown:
4.28.16
